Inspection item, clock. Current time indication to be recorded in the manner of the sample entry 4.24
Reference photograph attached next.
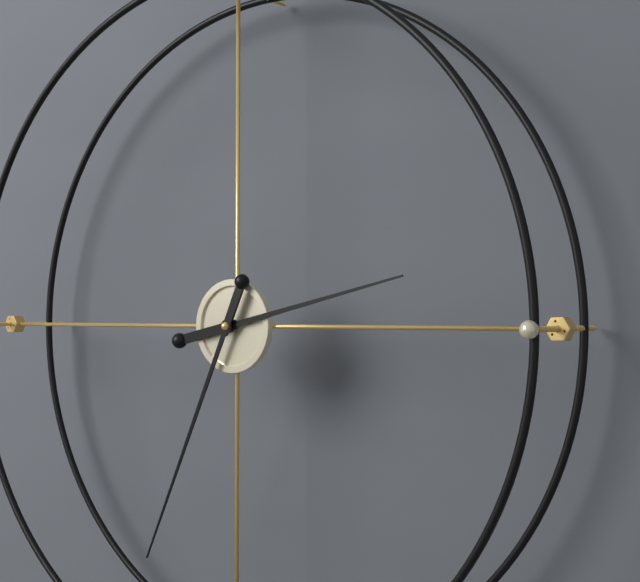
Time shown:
2.34
